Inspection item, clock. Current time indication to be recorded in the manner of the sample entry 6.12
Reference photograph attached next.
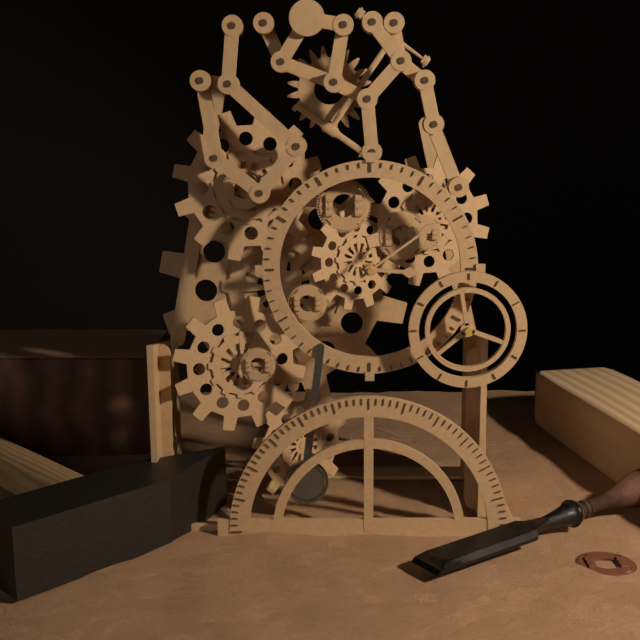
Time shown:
3.09
